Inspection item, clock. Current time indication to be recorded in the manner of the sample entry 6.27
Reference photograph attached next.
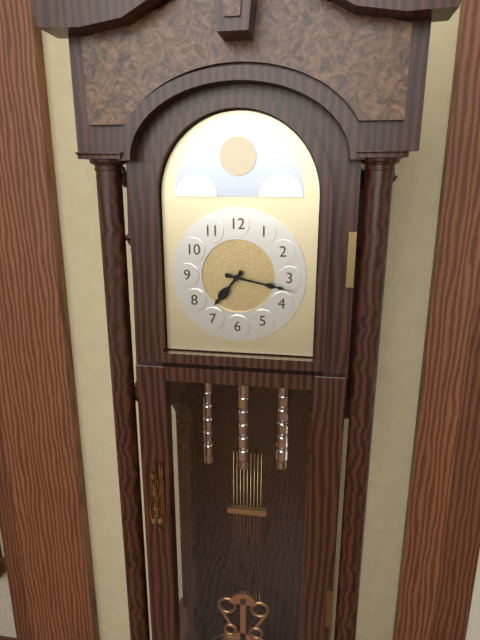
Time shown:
7.17
